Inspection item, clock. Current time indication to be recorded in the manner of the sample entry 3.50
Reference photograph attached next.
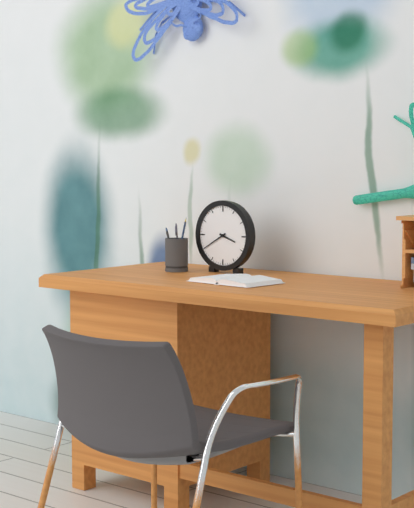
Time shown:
3.40
